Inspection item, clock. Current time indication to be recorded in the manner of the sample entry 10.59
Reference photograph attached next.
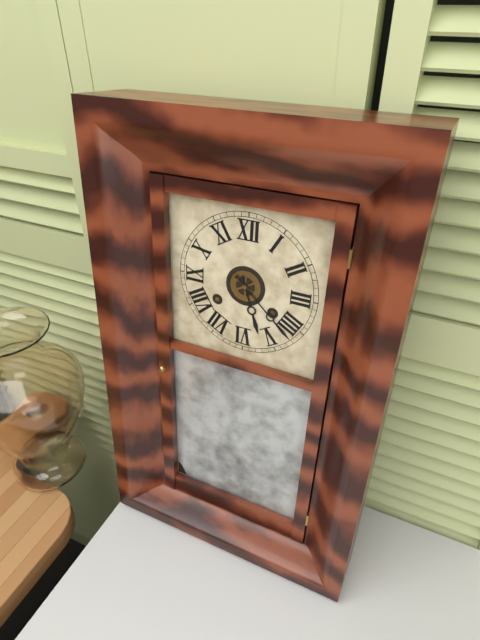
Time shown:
5.22
